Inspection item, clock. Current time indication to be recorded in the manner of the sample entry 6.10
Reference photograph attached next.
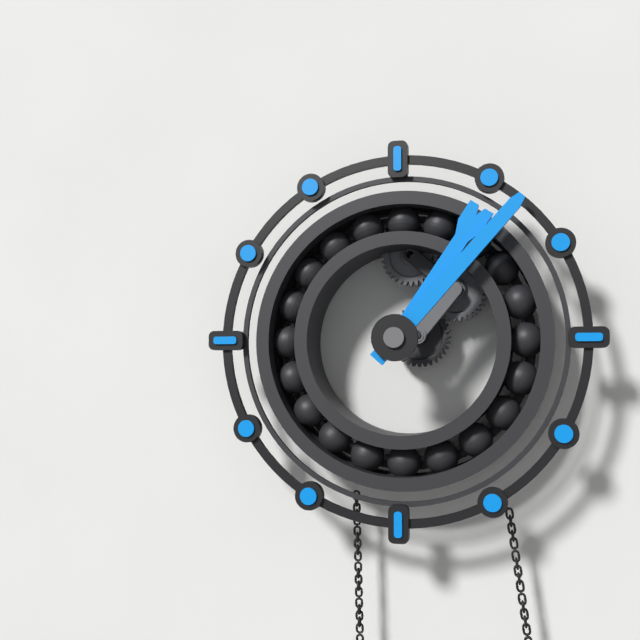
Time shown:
1.07
